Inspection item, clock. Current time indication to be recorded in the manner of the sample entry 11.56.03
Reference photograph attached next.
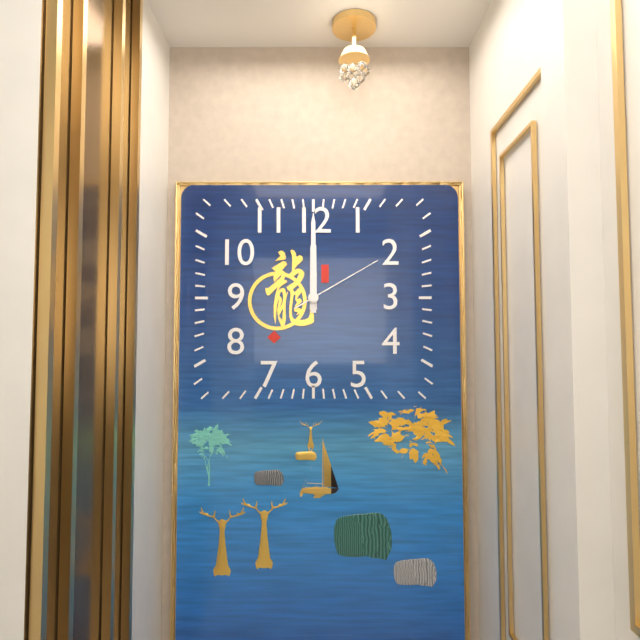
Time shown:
12.00.10
